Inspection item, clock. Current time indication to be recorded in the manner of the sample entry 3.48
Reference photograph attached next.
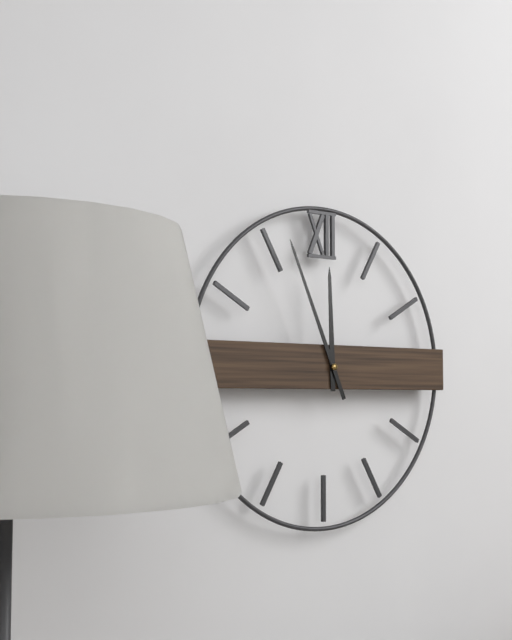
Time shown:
11.56
